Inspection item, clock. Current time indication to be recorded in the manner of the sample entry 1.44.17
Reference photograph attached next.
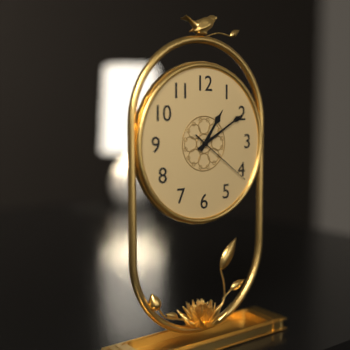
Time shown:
1.10.21
